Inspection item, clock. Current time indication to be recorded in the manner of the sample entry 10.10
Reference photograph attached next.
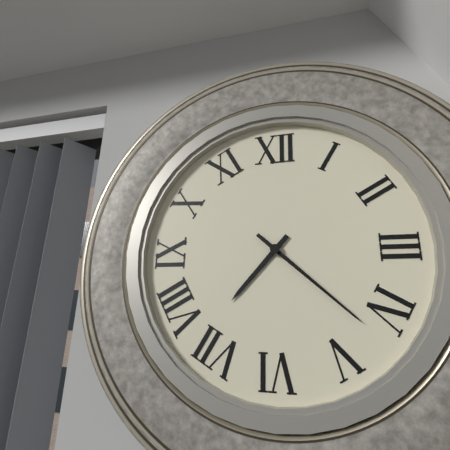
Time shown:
7.22
